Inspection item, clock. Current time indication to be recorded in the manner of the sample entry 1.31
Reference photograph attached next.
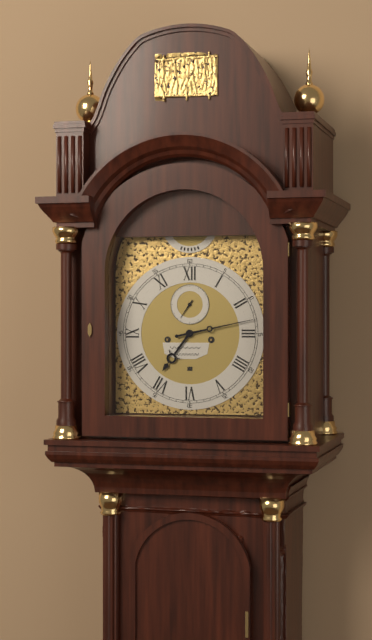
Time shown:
7.13
